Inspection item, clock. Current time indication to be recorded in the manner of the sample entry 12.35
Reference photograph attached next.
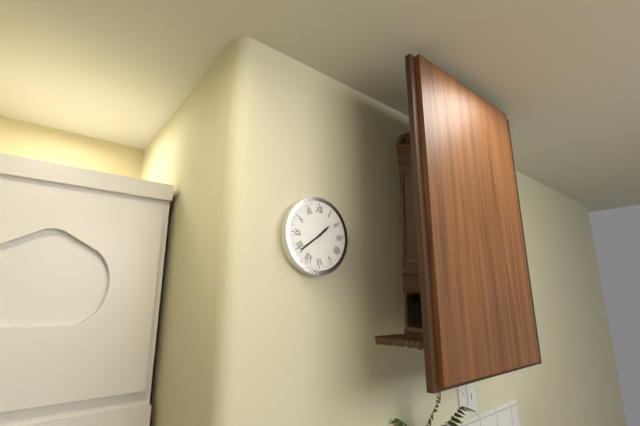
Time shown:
1.39
